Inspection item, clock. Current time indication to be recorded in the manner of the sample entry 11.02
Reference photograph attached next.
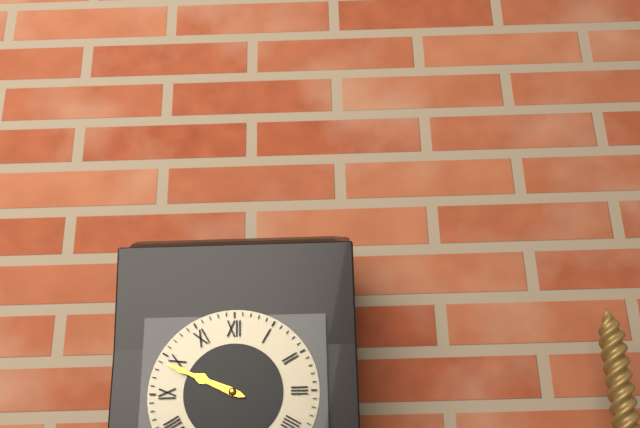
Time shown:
9.49
